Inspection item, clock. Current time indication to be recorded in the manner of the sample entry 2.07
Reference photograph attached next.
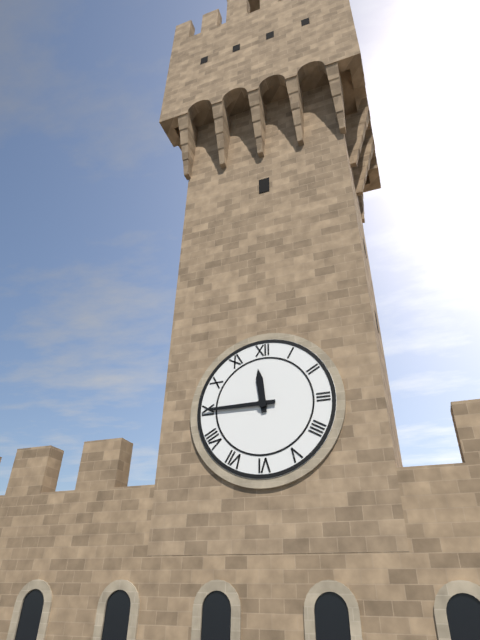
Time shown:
11.45
